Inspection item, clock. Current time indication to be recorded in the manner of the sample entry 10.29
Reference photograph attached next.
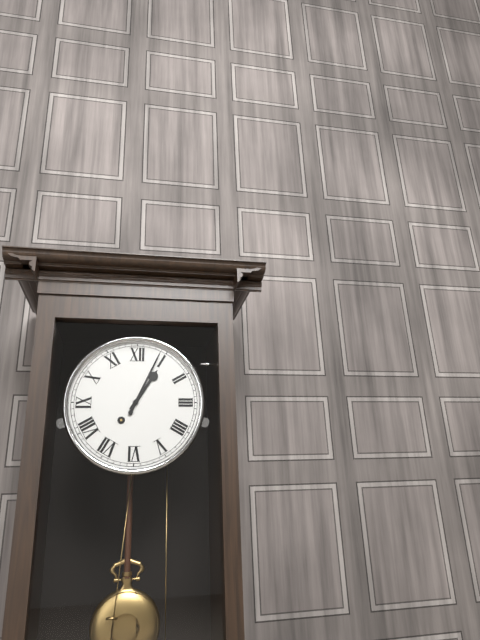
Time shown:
1.04
